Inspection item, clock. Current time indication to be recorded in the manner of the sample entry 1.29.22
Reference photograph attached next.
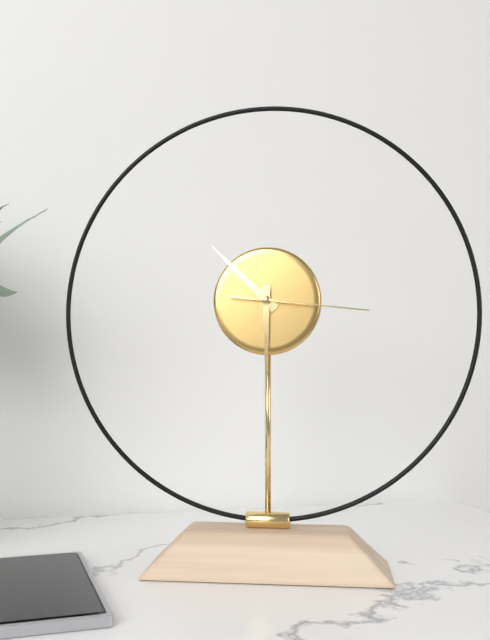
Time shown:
10.30.16
